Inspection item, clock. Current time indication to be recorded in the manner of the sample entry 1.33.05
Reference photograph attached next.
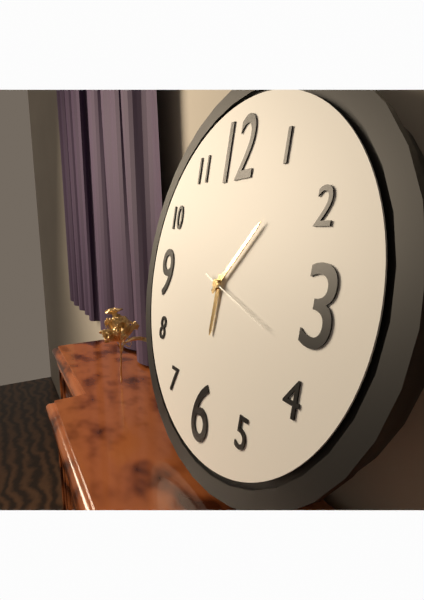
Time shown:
6.07.18
